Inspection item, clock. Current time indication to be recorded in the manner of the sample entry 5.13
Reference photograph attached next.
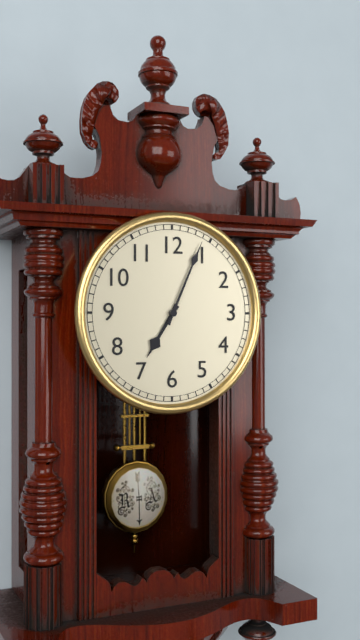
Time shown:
7.04
